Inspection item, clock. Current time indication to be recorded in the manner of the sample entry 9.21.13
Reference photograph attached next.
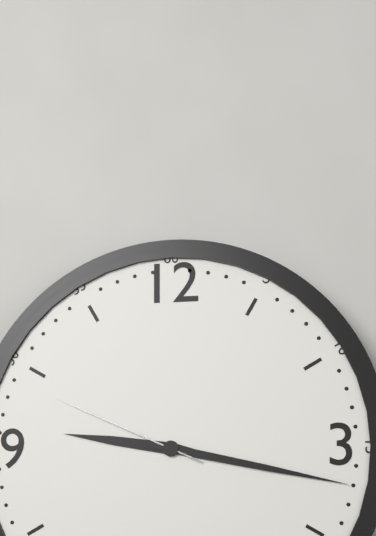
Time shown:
9.17.49
